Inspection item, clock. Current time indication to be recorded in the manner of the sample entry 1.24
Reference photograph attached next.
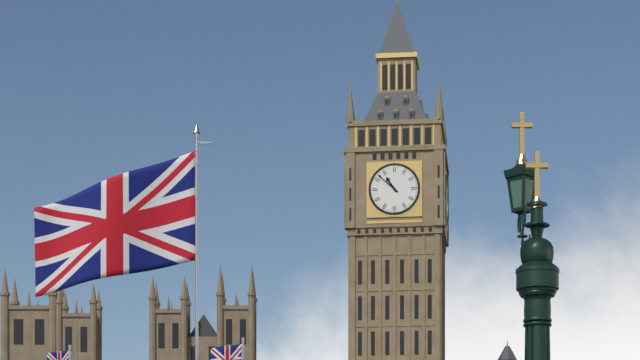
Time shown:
10.52
